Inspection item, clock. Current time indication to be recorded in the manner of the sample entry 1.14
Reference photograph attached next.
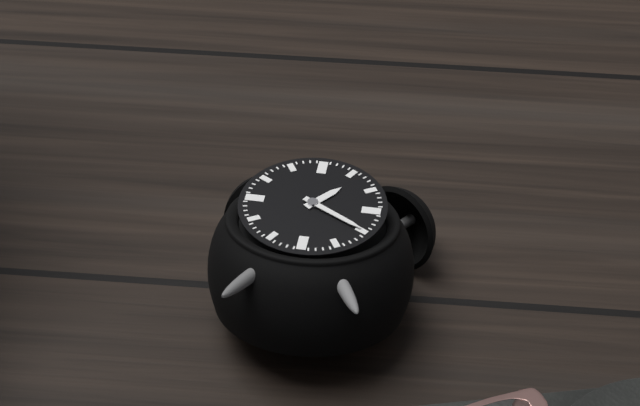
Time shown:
1.20
